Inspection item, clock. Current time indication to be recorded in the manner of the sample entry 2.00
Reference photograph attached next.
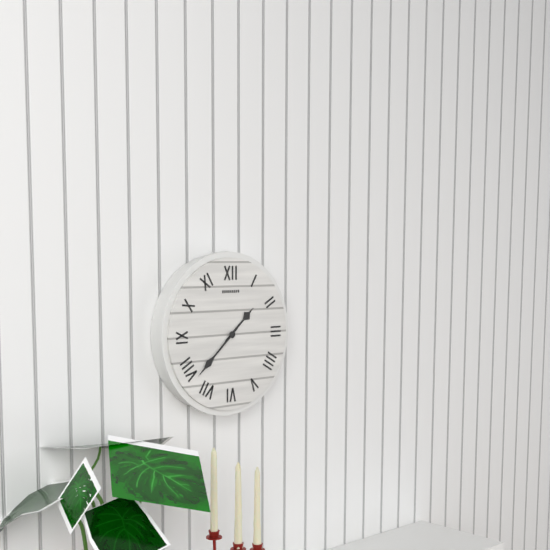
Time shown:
1.38
